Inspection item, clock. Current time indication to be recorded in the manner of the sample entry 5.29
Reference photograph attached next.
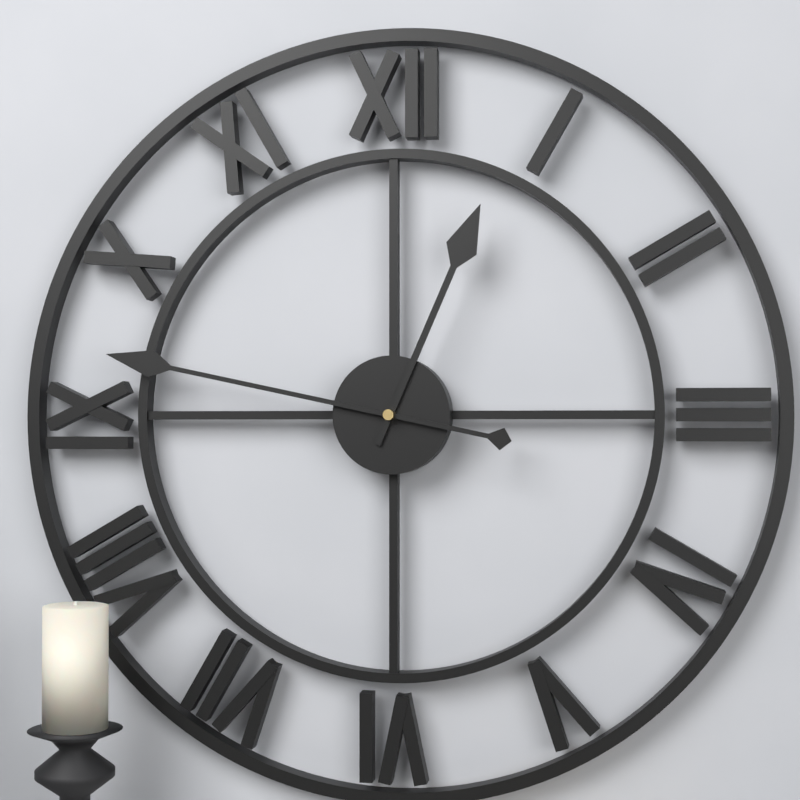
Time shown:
12.47
